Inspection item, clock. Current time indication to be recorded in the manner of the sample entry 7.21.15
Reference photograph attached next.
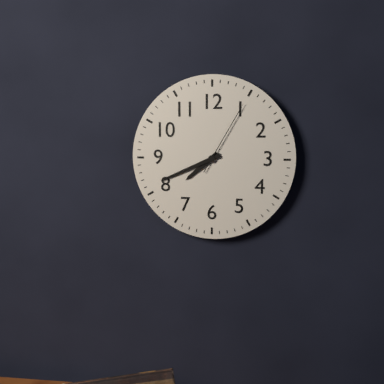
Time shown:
7.41.05
